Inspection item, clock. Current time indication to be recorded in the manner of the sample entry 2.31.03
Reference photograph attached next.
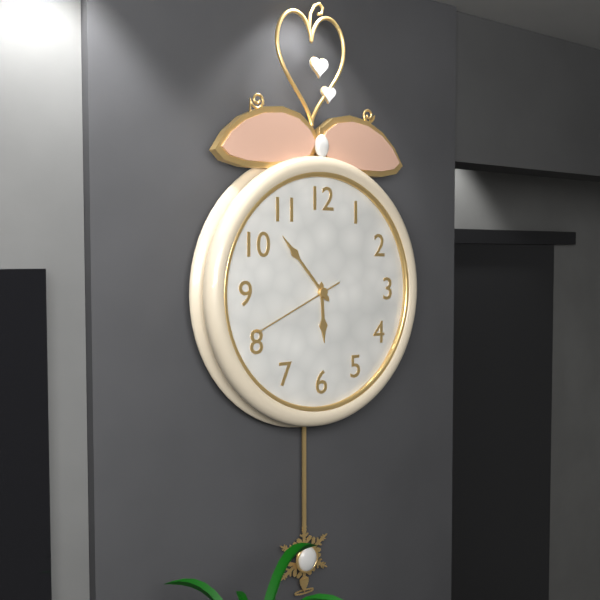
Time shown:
5.53.41
